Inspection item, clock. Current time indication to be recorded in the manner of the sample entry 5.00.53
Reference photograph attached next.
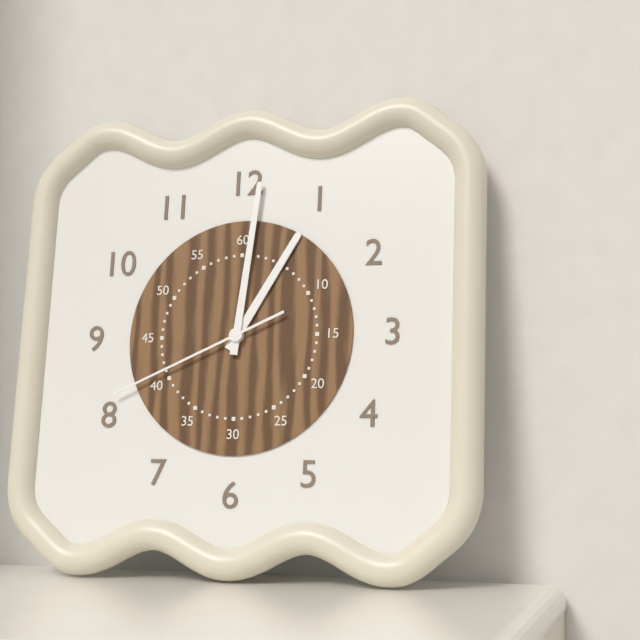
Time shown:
1.01.41
